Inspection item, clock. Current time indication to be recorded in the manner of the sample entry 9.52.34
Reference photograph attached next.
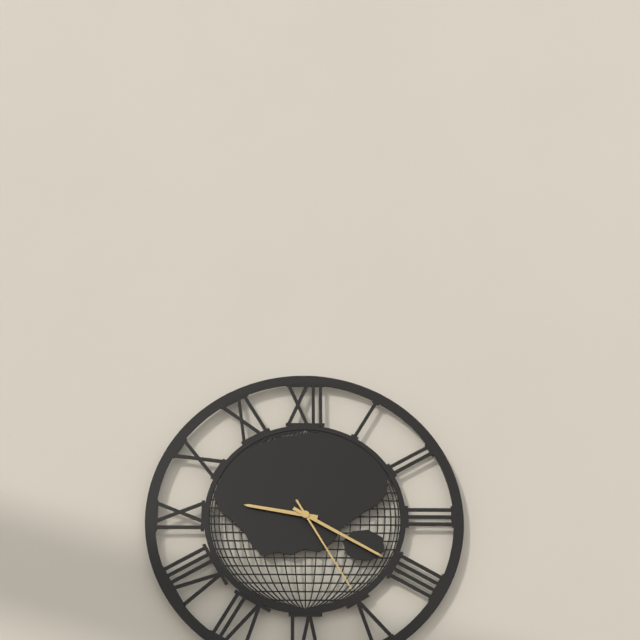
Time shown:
9.20.25
